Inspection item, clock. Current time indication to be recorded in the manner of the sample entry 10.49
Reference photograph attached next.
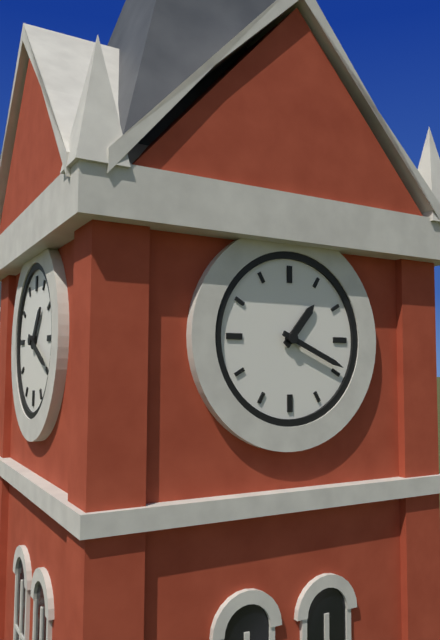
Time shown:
1.19
